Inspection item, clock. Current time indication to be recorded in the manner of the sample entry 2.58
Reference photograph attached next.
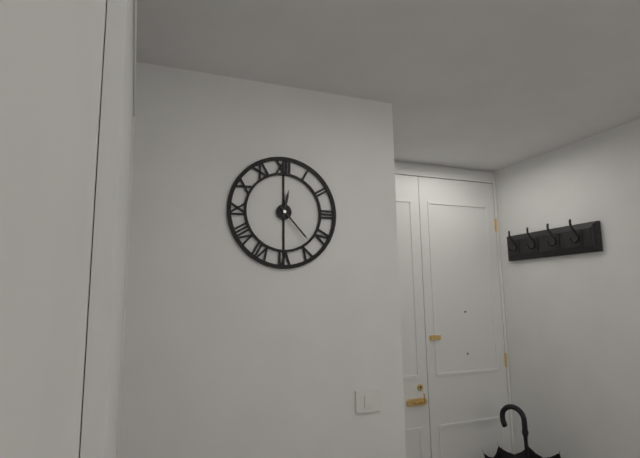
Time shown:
12.23
